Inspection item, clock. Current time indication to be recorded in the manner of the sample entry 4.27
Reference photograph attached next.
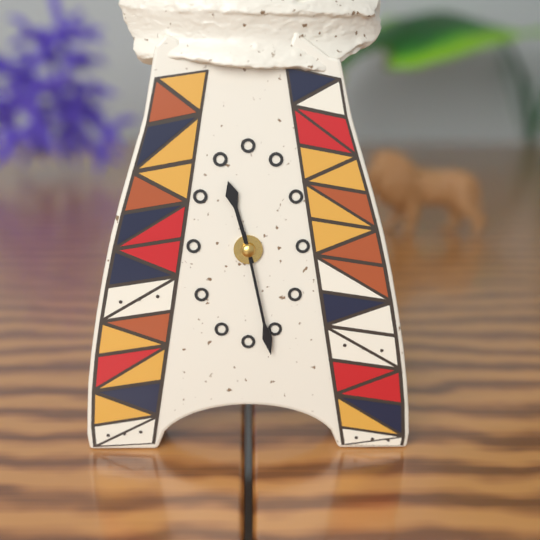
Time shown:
11.28
